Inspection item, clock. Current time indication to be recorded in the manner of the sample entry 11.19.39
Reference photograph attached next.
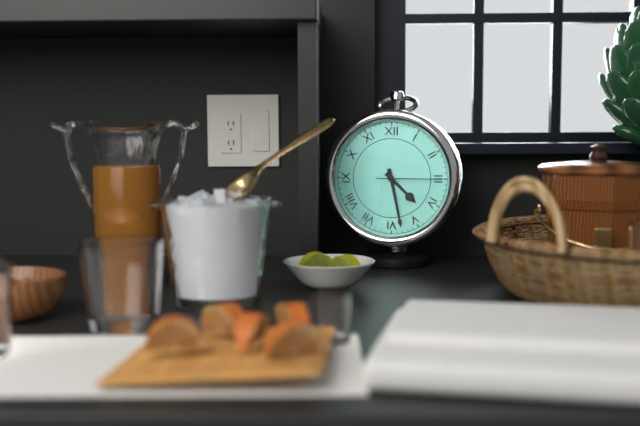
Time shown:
4.28.15
